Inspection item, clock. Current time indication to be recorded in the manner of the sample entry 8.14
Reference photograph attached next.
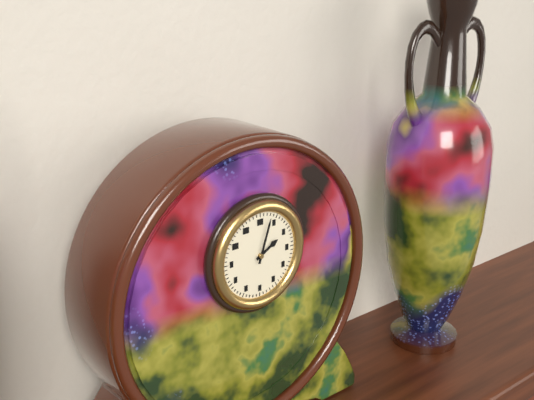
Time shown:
2.03
